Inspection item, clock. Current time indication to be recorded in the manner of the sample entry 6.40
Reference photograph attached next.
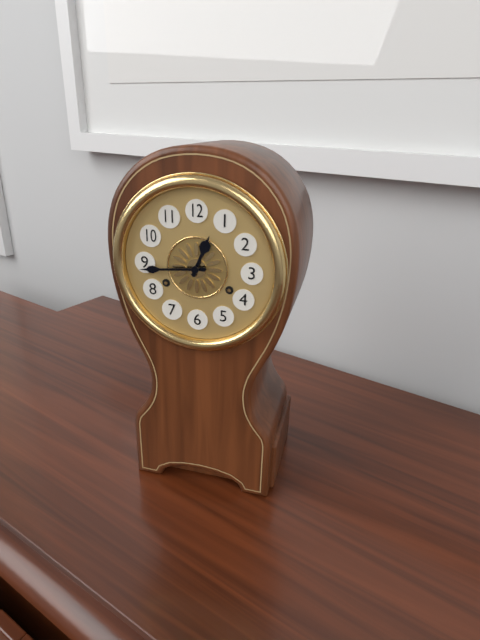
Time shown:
12.44
